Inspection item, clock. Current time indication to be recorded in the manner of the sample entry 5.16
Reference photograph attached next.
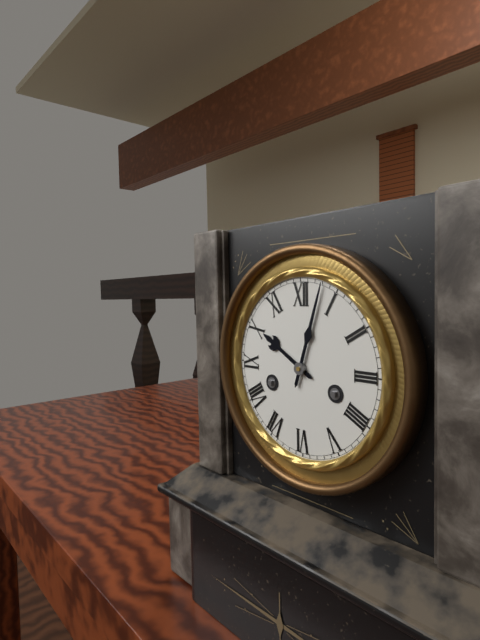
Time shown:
10.03
